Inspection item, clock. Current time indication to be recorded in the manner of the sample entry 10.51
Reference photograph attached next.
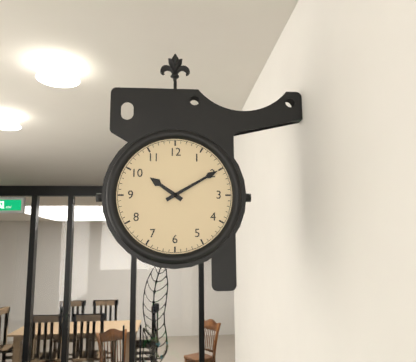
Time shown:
10.10
